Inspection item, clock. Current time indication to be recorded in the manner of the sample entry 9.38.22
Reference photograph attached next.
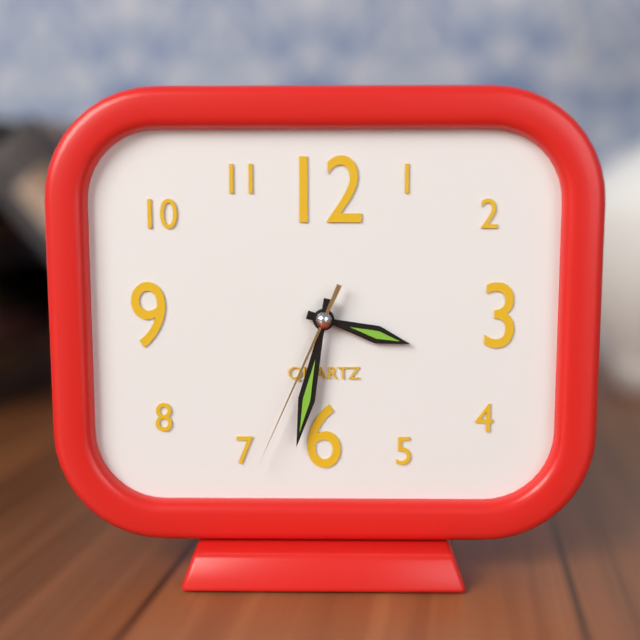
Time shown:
3.32.34
